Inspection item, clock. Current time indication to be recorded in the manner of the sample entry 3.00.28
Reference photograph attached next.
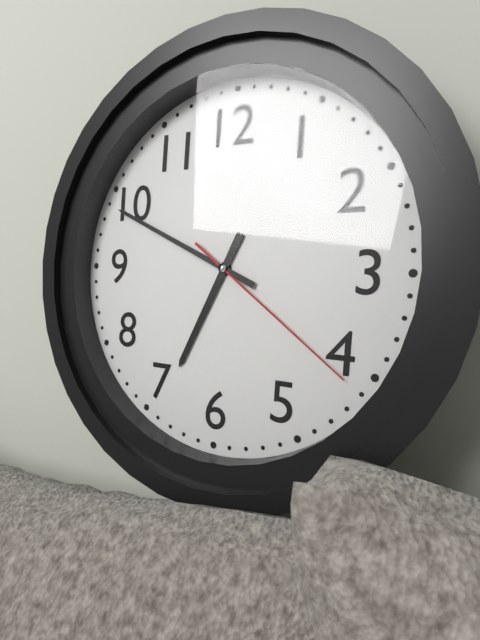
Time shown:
6.49.21
